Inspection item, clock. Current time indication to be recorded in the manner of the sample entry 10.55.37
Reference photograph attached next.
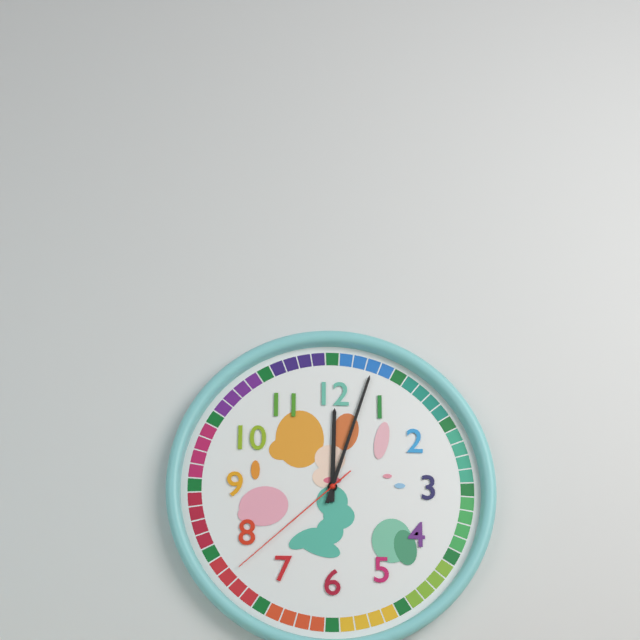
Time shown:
12.03.38
